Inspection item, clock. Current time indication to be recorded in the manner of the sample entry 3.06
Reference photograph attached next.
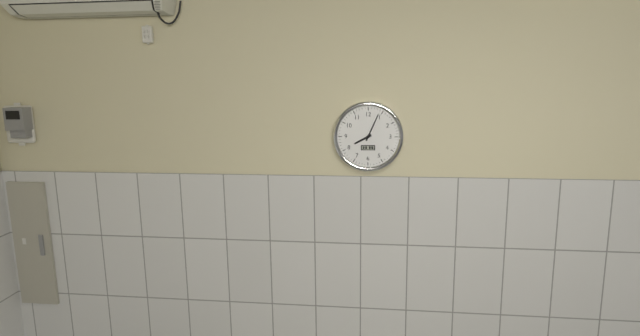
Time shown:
8.04
